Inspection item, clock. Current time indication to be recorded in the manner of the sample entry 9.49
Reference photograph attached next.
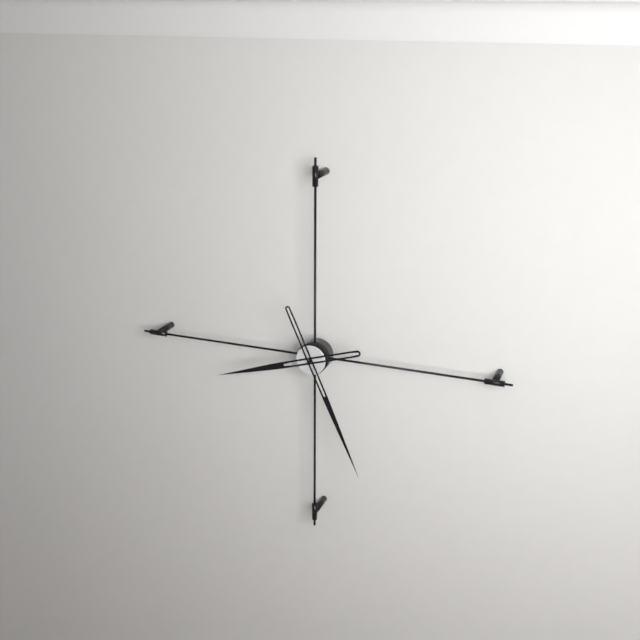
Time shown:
8.26
